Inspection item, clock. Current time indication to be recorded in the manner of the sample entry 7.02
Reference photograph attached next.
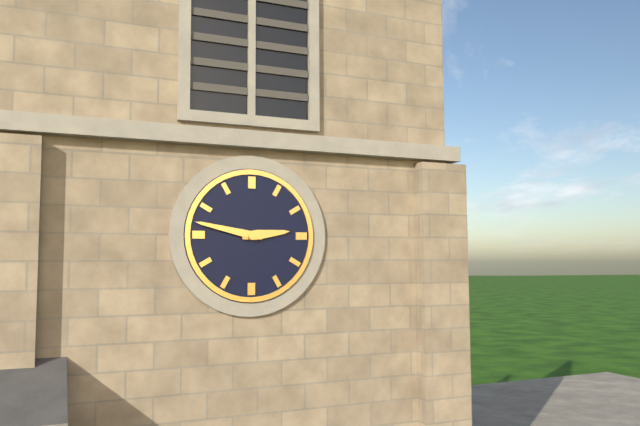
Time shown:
2.47
